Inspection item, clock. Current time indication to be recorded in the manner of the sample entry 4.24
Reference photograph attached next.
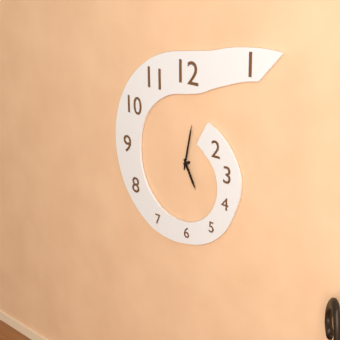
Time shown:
5.02
